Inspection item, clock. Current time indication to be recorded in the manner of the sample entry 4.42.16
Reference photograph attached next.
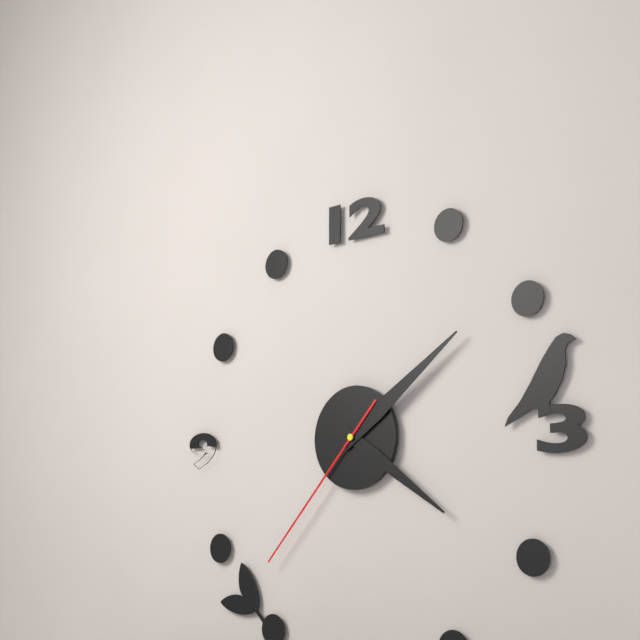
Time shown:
4.09.37
